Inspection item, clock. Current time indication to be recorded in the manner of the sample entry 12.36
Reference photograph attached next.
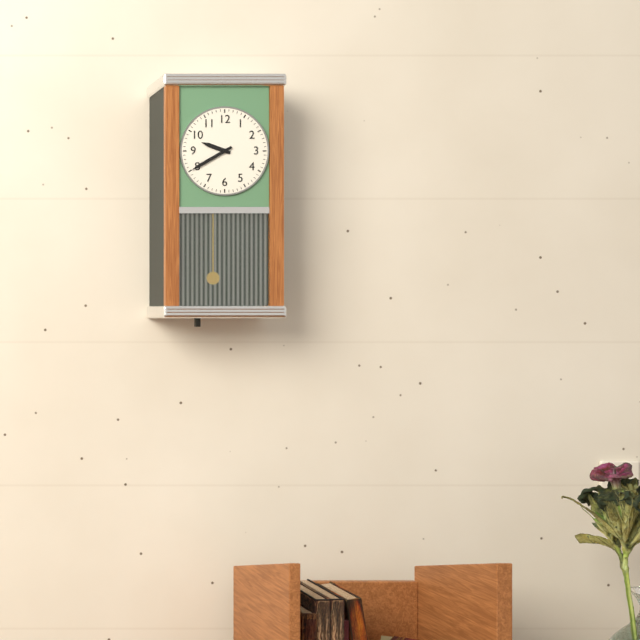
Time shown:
9.40
